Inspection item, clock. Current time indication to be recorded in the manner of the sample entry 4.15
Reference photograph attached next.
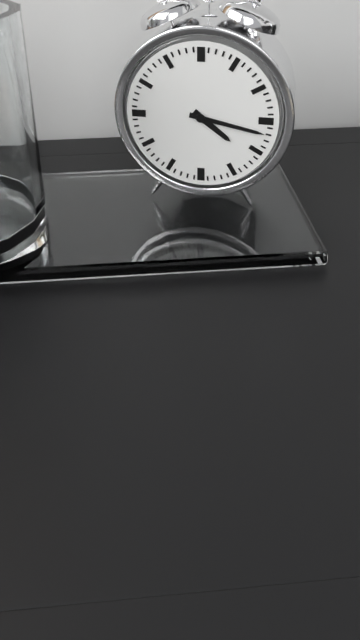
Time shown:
4.17
